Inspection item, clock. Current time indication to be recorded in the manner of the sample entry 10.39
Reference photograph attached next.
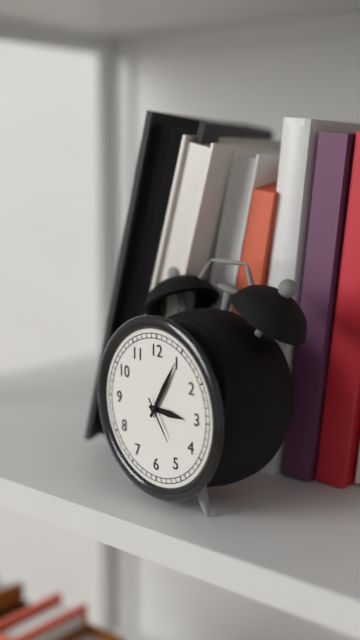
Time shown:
3.05
